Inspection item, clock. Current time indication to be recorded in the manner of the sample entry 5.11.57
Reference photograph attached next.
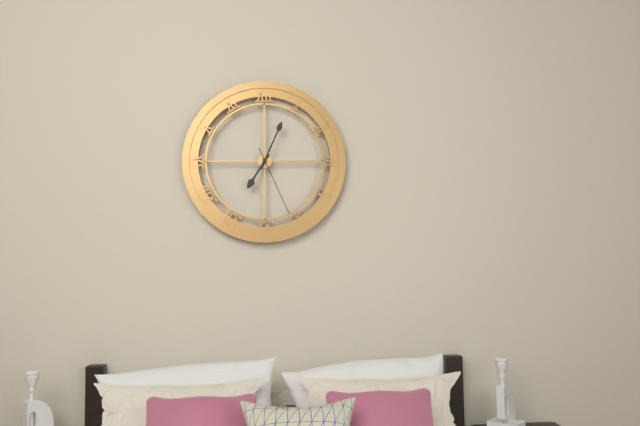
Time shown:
7.04.26
